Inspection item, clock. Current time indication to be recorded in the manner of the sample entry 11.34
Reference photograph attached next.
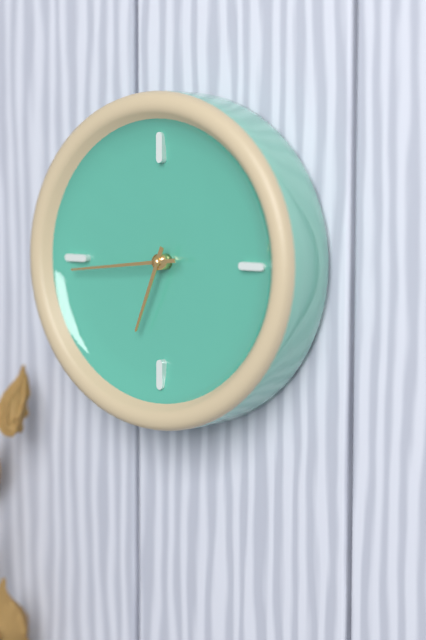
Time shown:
6.44
